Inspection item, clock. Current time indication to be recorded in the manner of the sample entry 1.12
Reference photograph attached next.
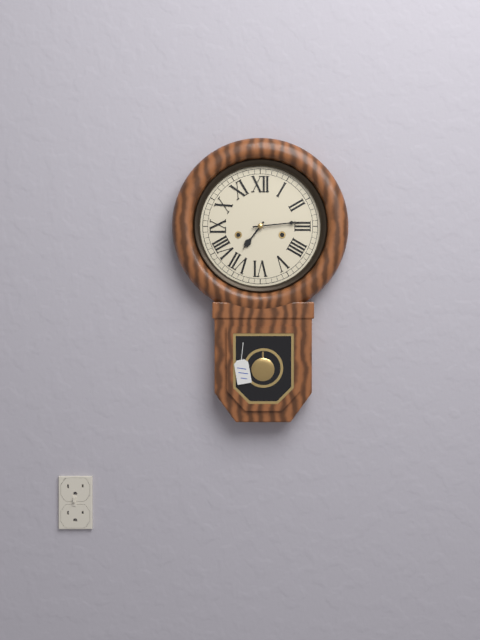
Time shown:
7.14
